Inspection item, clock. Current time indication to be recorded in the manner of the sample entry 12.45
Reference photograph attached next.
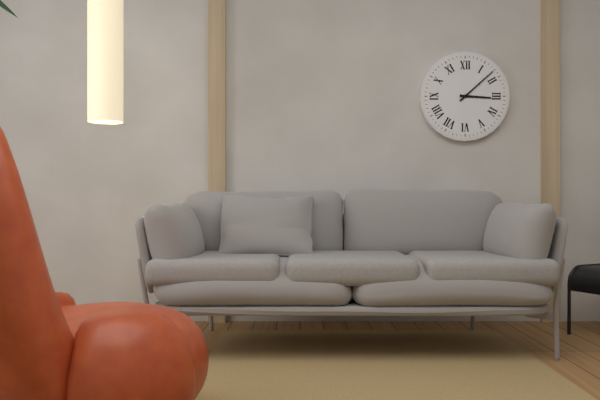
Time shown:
3.08
